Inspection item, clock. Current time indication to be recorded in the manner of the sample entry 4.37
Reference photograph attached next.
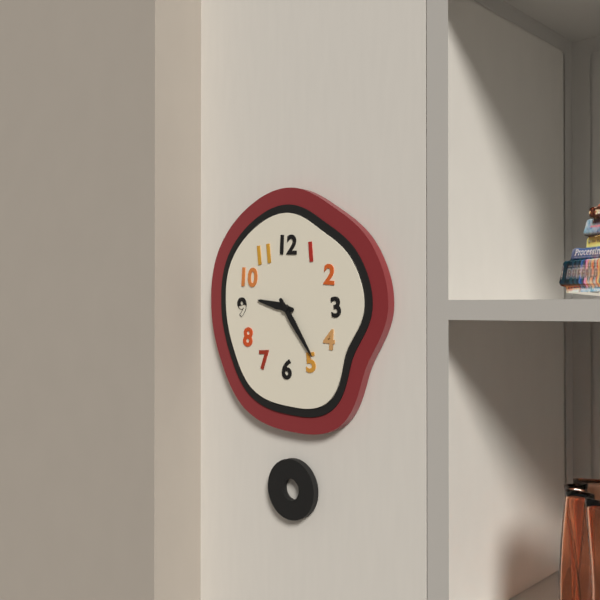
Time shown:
9.24
